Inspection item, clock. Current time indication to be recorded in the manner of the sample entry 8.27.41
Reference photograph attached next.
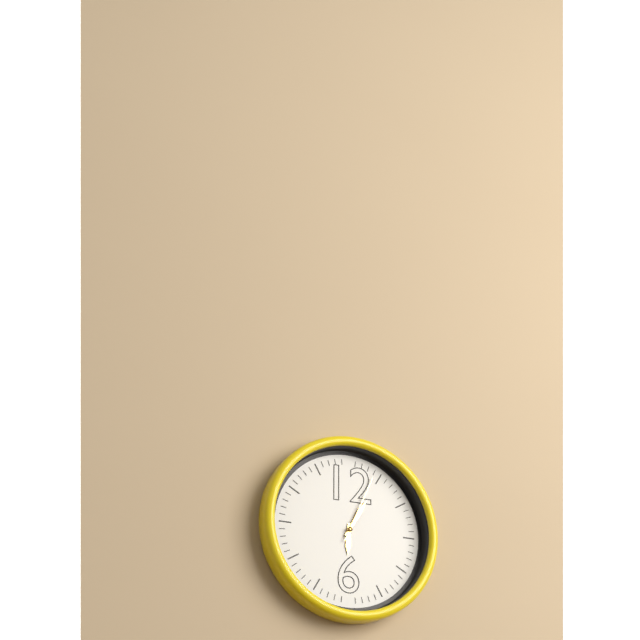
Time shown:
6.05.04
